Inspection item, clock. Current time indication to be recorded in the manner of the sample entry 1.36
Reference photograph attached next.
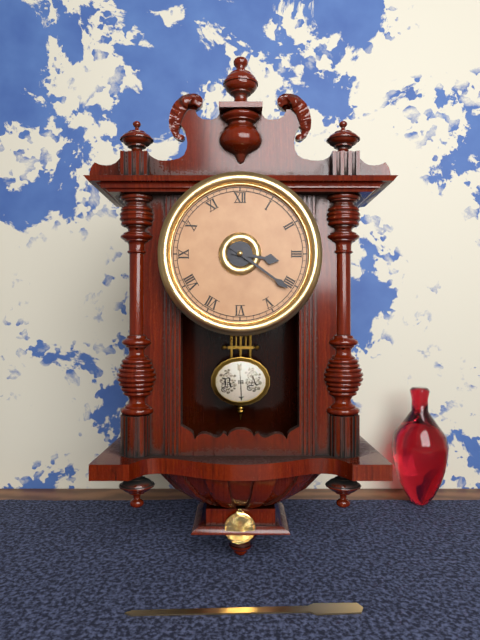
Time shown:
3.21
